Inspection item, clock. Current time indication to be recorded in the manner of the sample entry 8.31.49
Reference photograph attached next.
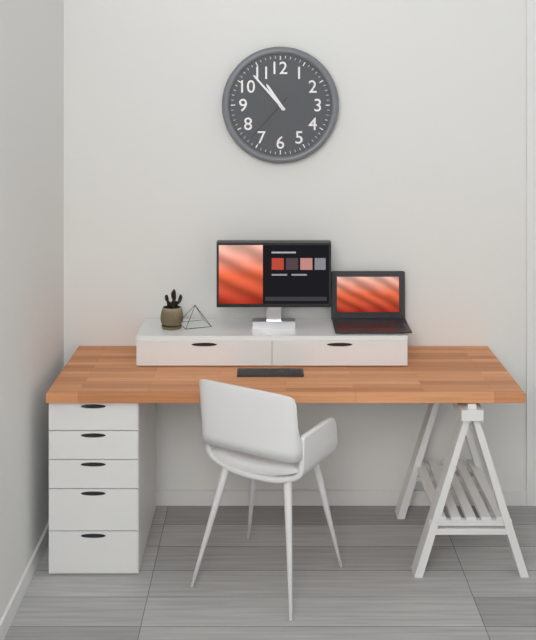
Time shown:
10.53.37
